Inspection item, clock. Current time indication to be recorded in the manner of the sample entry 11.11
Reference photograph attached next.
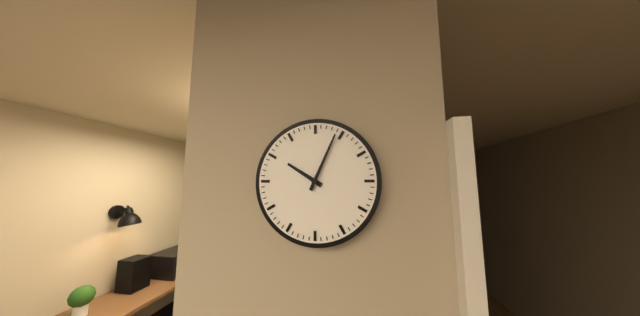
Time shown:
10.04
